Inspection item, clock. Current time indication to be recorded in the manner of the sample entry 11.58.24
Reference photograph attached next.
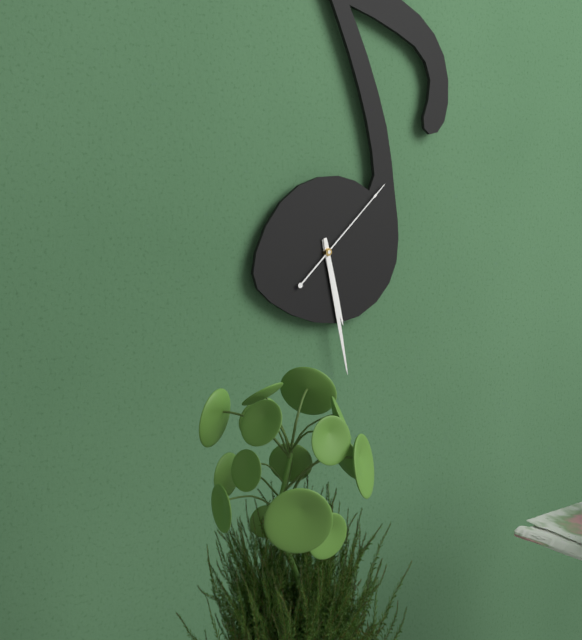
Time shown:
5.28.08
